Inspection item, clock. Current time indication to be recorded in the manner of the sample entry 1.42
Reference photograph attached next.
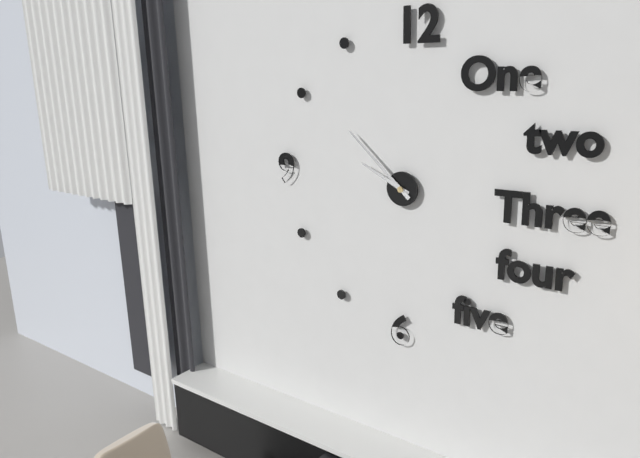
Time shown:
9.52
